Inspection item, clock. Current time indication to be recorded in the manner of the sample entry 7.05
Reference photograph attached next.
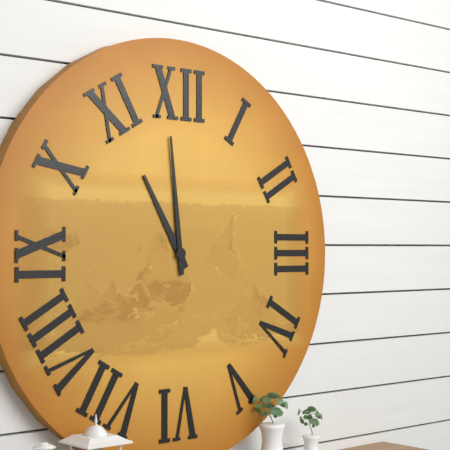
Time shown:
10.59
